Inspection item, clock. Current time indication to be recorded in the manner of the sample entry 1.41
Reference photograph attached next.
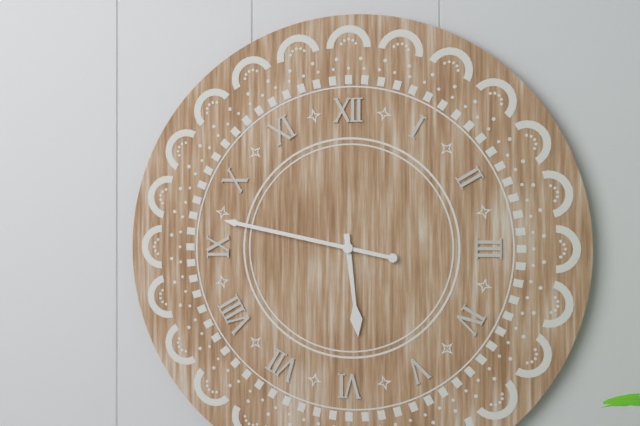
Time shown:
5.47
